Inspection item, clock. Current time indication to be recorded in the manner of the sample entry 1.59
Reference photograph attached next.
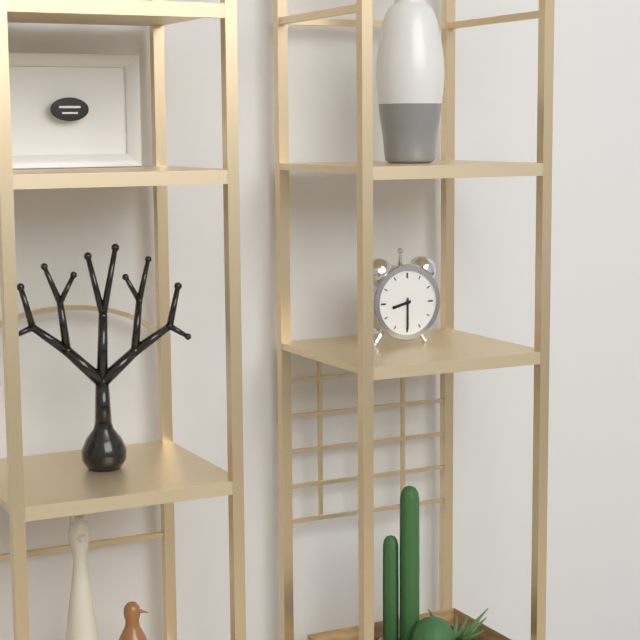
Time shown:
8.30
